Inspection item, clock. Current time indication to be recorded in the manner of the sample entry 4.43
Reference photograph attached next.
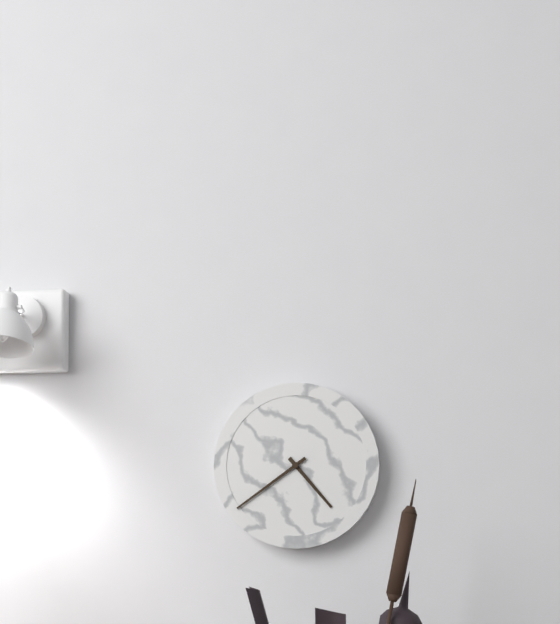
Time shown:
4.39
